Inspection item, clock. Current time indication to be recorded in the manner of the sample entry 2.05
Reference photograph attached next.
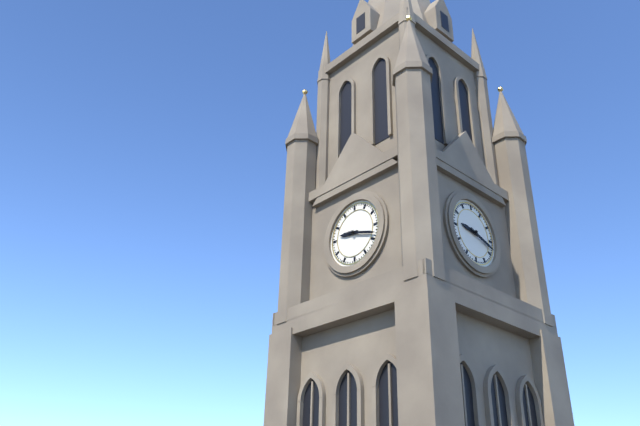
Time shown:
9.18
